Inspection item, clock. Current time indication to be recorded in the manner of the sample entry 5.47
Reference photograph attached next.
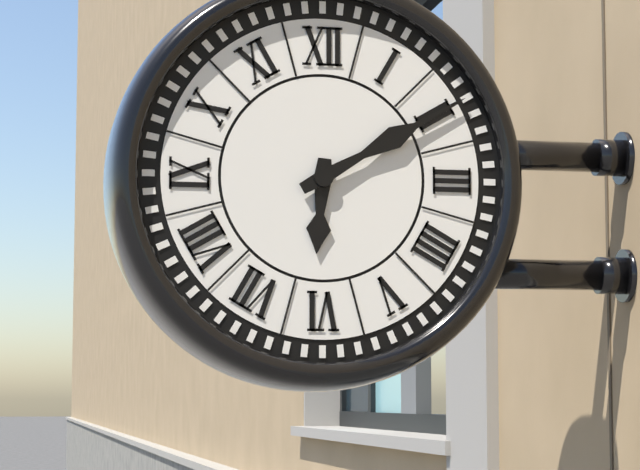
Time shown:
6.10
